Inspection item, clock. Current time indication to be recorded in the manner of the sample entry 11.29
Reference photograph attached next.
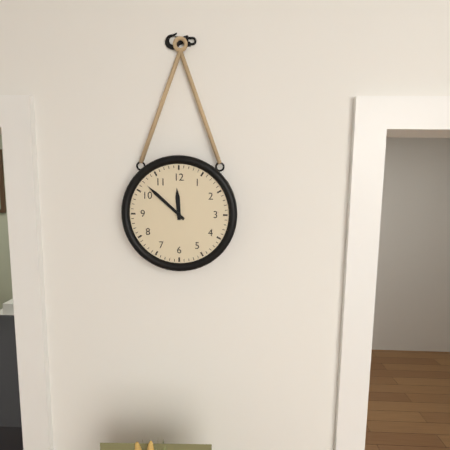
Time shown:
11.52
